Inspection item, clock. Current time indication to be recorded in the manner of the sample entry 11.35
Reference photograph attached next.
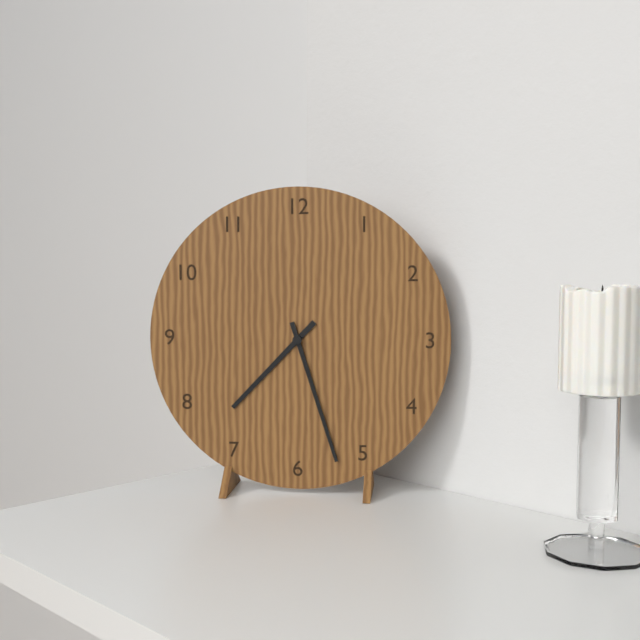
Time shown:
7.27
